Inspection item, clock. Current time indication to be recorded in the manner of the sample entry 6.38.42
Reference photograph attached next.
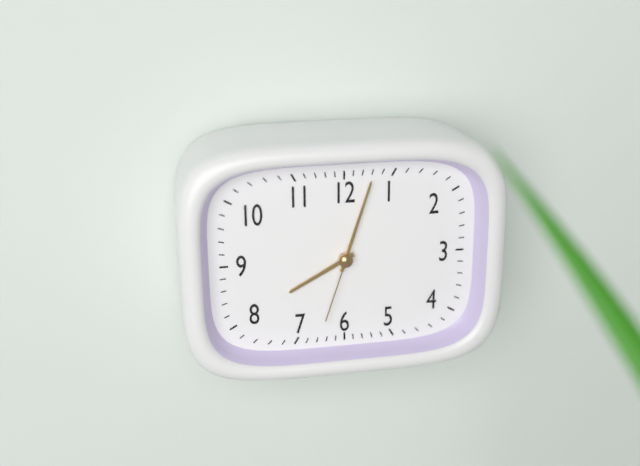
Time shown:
8.03.33
